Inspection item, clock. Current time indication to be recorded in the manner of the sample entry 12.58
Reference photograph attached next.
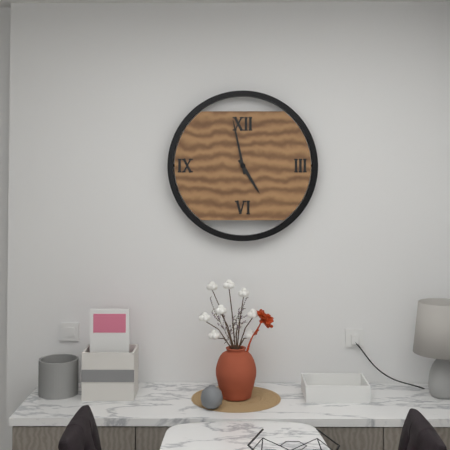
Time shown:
4.58
